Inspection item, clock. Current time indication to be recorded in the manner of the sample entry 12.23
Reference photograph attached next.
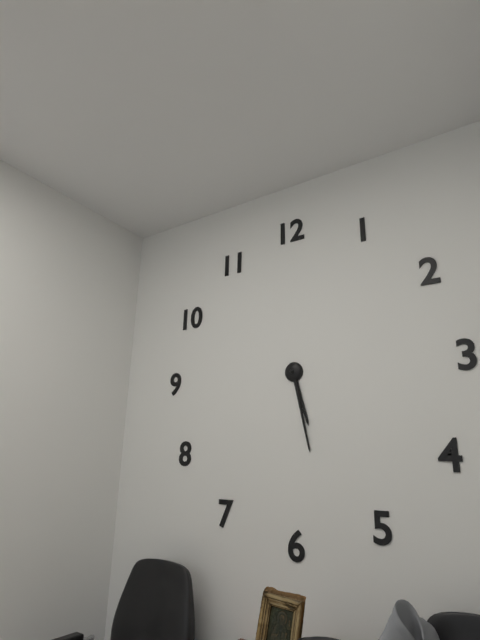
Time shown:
5.28
